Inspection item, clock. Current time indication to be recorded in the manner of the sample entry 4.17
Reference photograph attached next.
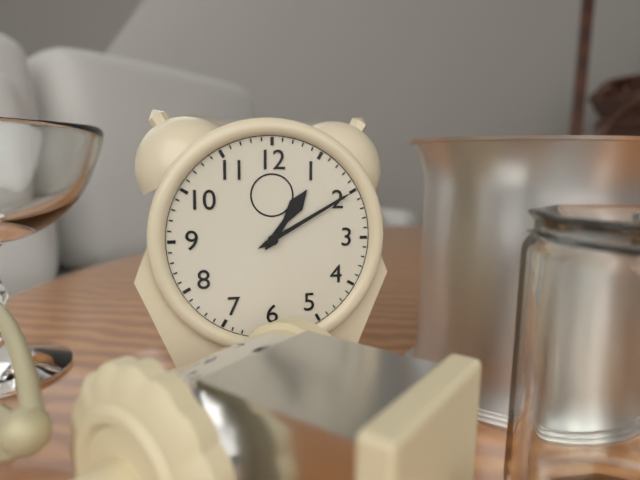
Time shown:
1.10
